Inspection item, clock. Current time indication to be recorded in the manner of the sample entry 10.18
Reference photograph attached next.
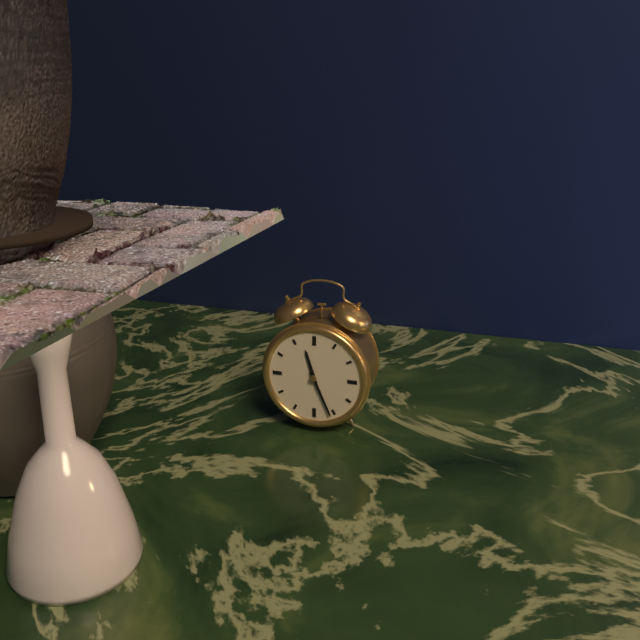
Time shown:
11.26
